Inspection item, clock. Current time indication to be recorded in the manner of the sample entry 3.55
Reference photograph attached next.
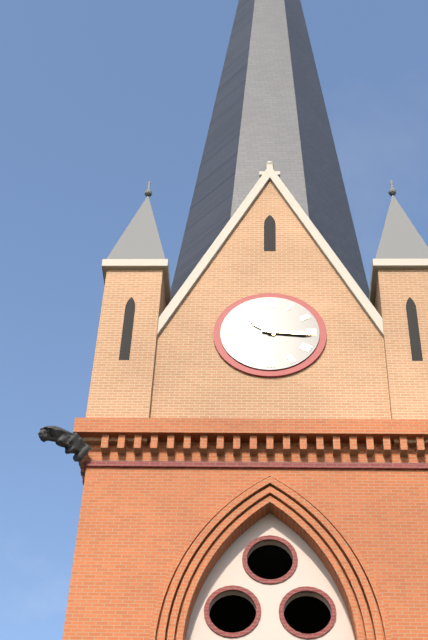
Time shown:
10.16
